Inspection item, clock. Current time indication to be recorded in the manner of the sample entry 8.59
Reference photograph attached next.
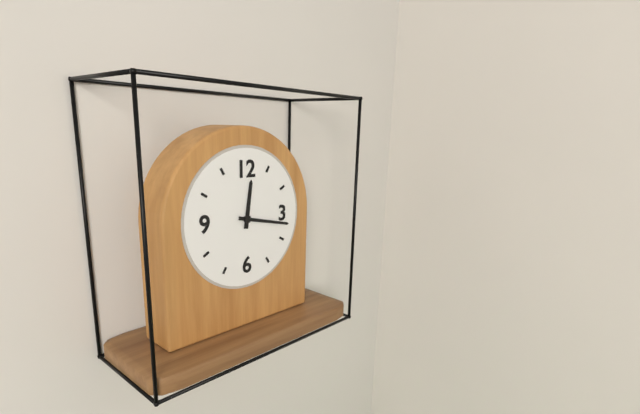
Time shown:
12.17
